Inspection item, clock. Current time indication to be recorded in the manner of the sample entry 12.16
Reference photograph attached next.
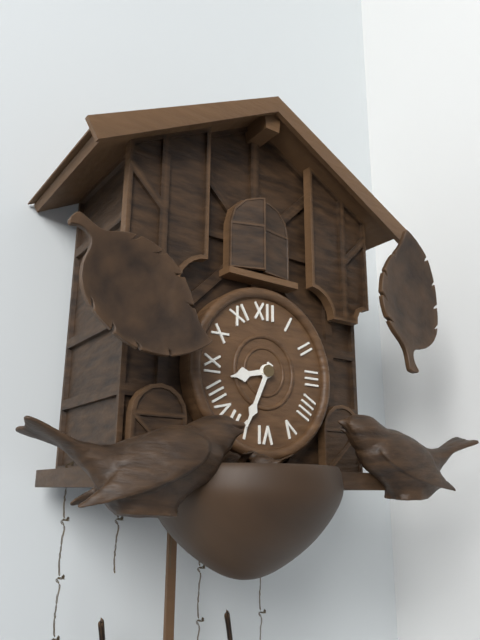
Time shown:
8.34
